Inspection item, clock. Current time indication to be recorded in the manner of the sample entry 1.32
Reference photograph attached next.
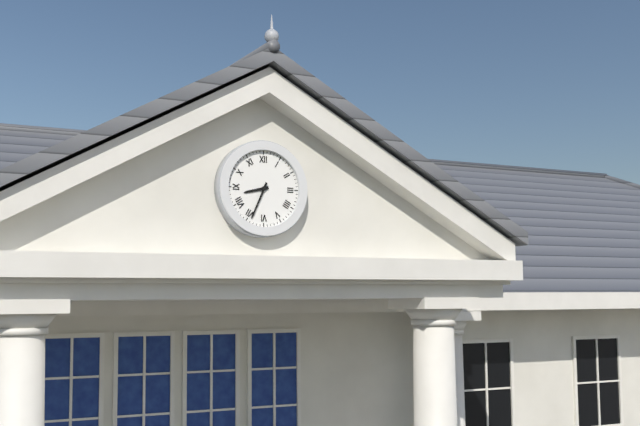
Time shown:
8.34
